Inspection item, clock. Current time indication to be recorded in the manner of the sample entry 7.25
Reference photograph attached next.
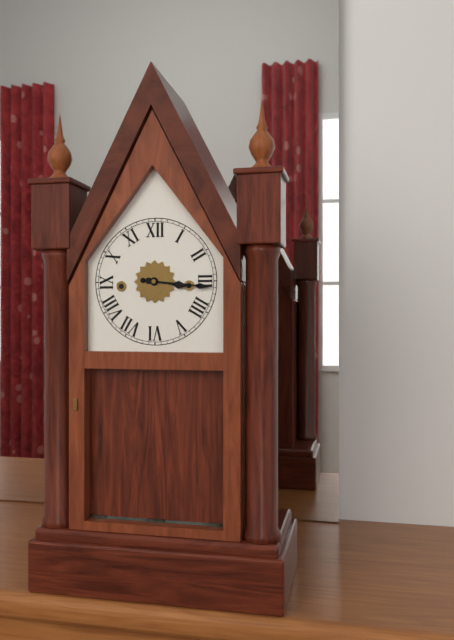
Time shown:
3.16
